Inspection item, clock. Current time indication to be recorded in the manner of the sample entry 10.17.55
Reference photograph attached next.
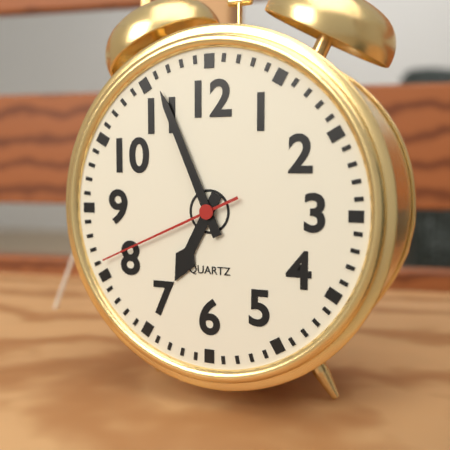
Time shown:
6.56.41
